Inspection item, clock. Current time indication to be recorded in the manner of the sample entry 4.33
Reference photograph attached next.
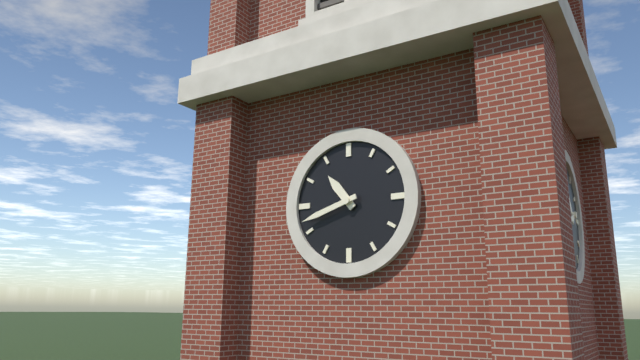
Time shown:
10.42
